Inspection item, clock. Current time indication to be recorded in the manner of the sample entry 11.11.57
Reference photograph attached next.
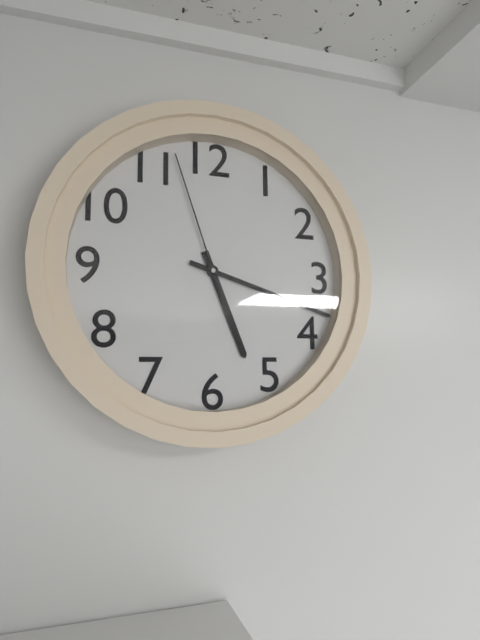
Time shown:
5.18.57
